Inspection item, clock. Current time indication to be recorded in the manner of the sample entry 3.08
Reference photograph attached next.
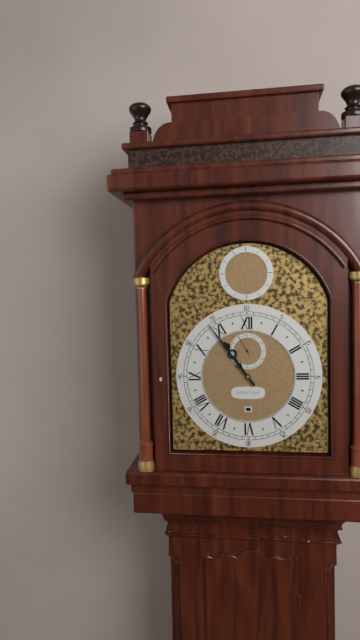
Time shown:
10.54
